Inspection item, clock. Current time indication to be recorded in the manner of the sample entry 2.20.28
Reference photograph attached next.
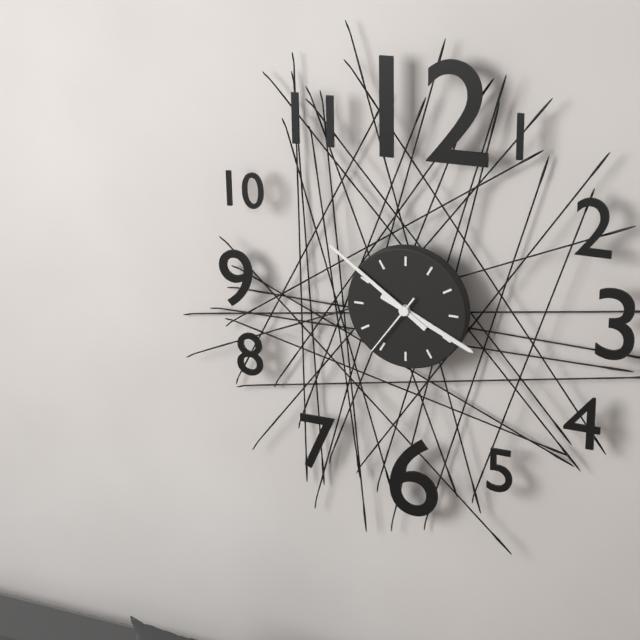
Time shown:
3.51.36
